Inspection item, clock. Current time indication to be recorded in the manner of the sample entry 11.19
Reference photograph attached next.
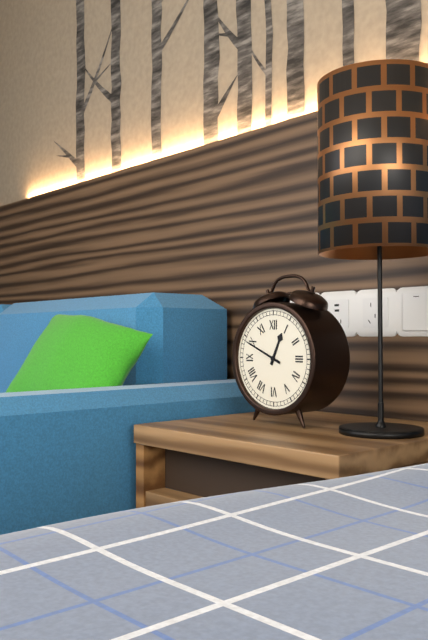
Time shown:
12.49
